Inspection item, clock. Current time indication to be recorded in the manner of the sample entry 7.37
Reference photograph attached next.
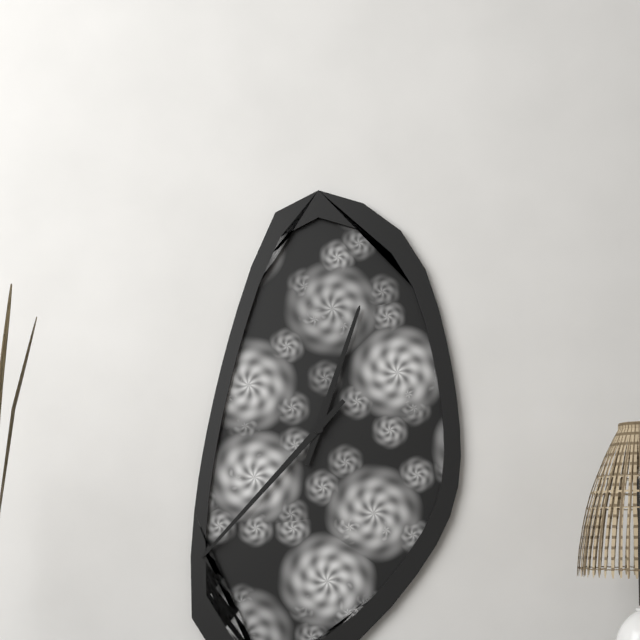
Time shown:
12.37
